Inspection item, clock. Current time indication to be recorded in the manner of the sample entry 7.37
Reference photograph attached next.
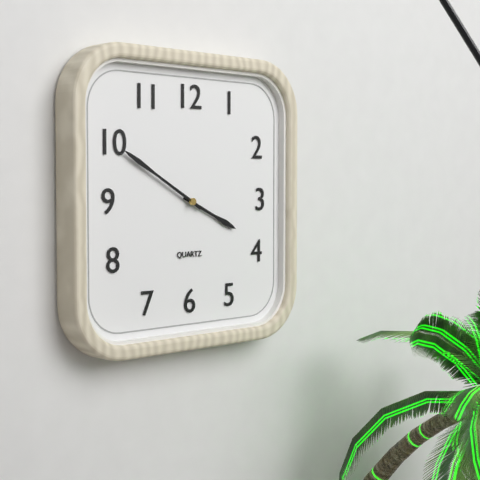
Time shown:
3.50
